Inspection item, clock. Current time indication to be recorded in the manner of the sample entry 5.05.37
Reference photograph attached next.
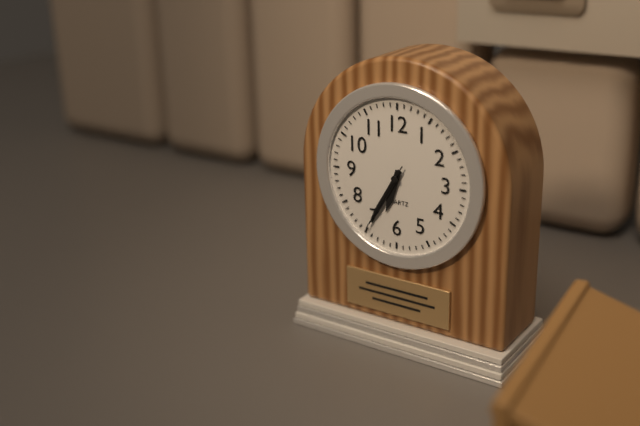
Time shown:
6.35.35
